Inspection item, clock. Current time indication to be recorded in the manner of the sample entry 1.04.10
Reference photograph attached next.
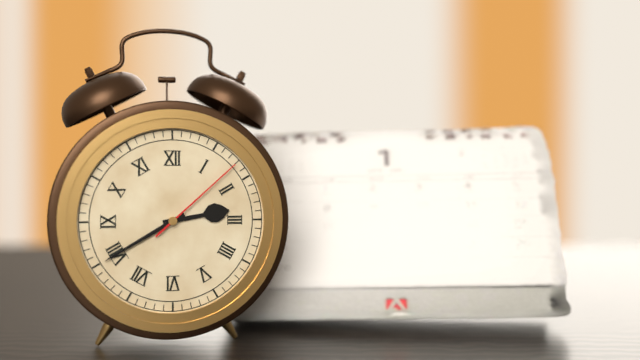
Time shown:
2.40.08
